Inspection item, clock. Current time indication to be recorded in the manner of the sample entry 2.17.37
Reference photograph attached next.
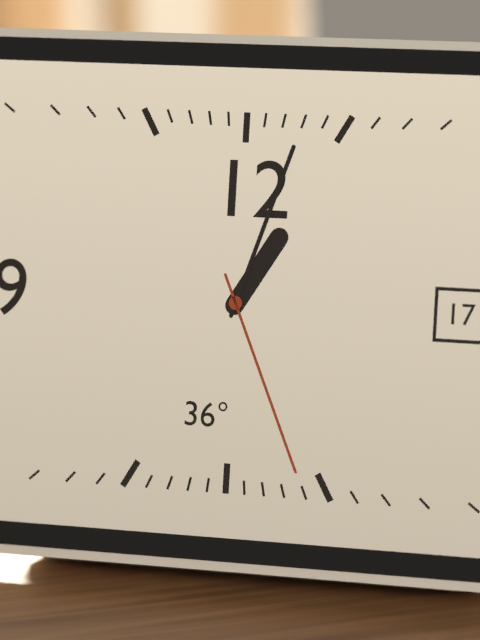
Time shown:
1.03.26
